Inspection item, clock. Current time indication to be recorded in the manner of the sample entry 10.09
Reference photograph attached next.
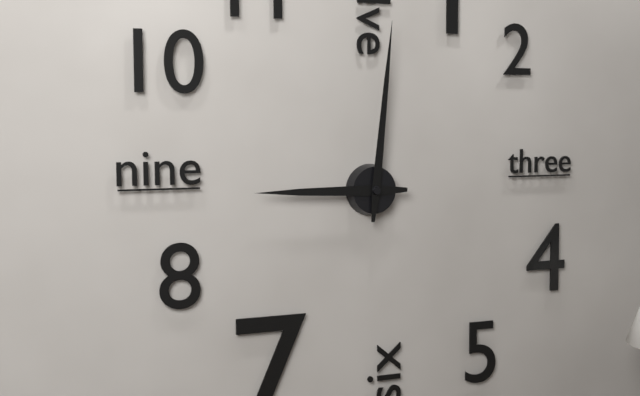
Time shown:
9.01
